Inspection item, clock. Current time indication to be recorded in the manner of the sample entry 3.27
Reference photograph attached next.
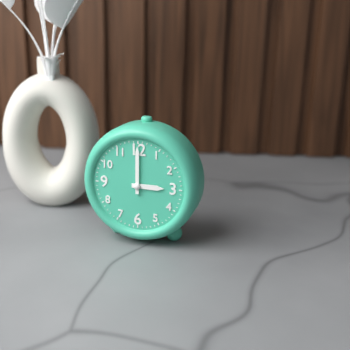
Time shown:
3.00
